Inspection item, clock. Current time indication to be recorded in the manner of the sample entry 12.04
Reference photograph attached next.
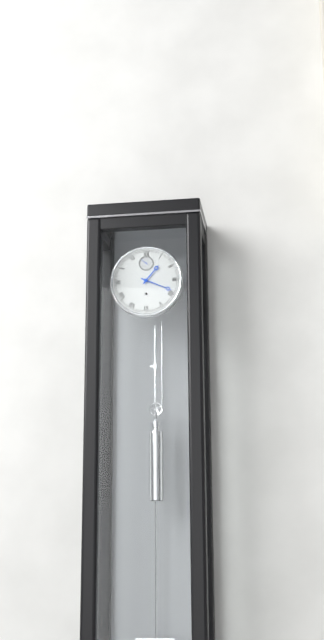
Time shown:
1.19
